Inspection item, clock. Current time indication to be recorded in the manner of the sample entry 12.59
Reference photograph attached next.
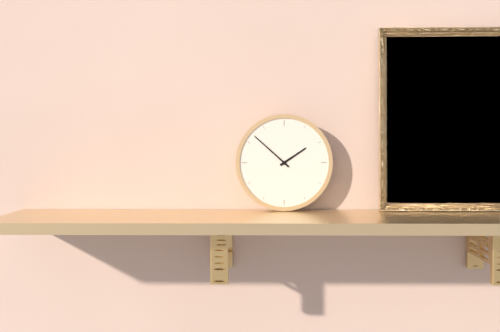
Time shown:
1.52
